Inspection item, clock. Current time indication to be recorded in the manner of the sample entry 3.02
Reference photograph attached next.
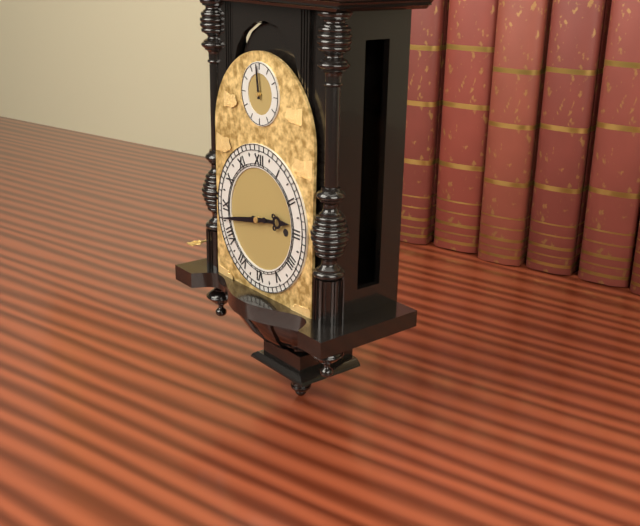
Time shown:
2.43
